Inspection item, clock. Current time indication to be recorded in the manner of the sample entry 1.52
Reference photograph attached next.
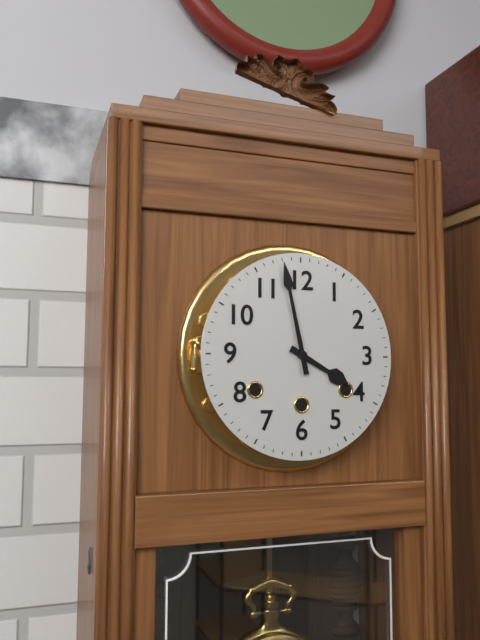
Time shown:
3.58
